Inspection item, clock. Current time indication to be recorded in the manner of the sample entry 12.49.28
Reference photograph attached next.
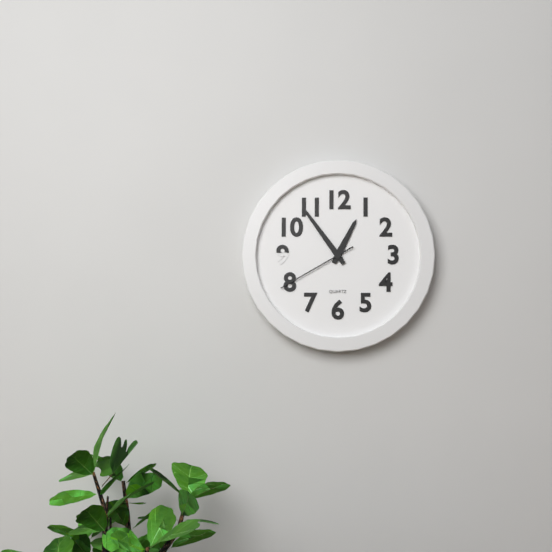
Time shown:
12.54.40
